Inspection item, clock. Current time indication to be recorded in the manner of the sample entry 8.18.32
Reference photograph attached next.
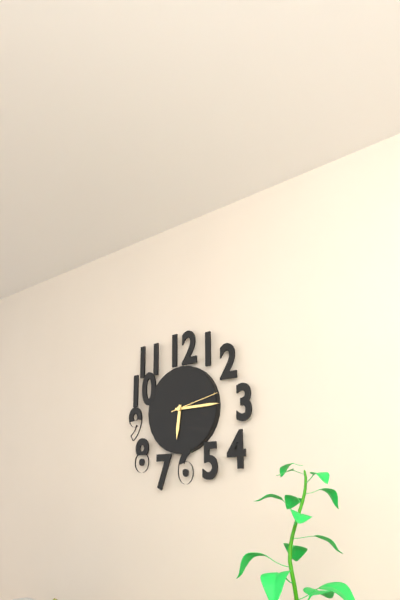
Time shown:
6.15.13
